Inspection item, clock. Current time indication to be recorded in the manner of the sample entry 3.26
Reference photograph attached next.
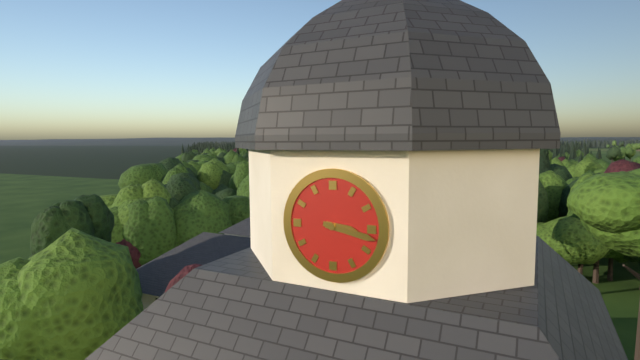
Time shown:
3.17
